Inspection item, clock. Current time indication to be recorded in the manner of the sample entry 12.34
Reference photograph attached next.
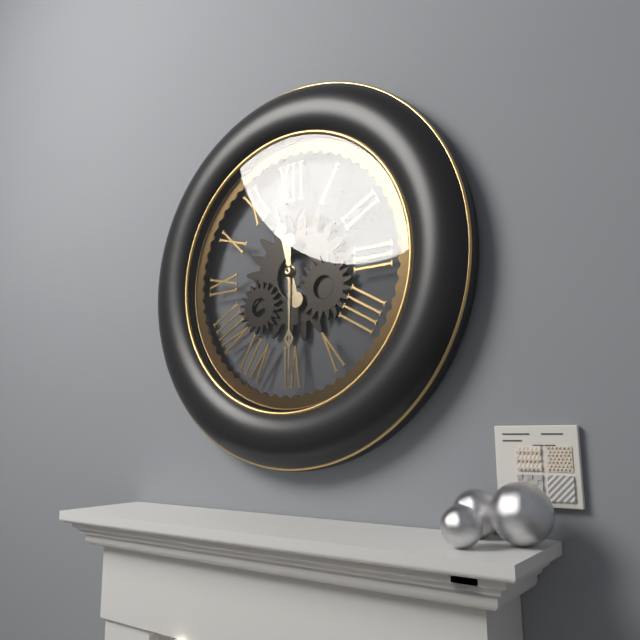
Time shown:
11.30
